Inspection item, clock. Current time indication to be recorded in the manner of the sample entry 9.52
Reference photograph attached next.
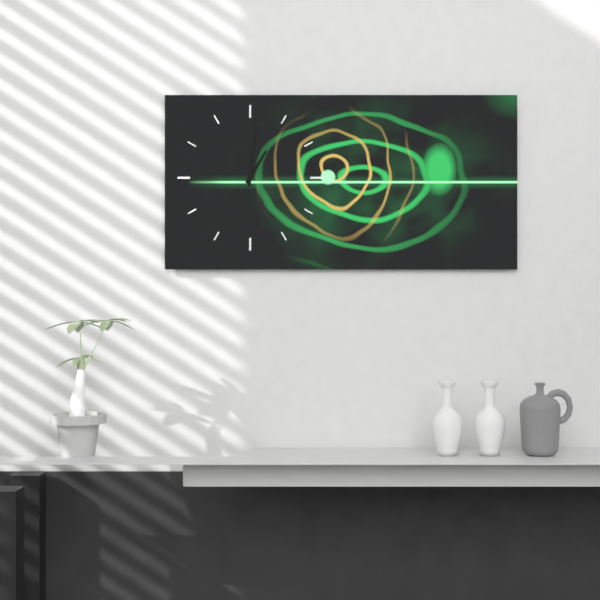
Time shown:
1.01
